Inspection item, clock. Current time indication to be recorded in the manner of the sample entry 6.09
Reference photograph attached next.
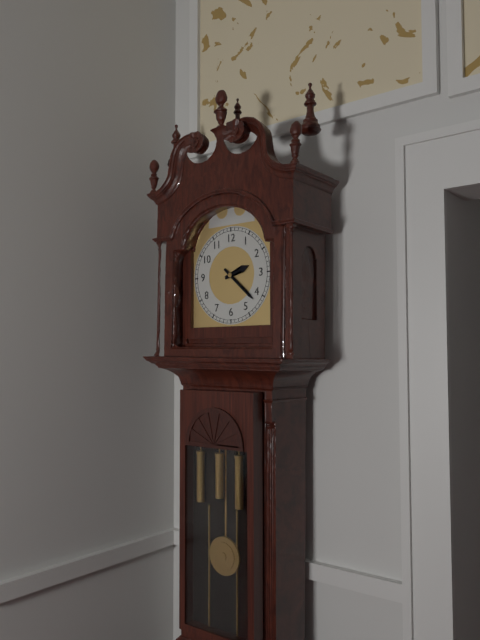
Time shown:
2.22
